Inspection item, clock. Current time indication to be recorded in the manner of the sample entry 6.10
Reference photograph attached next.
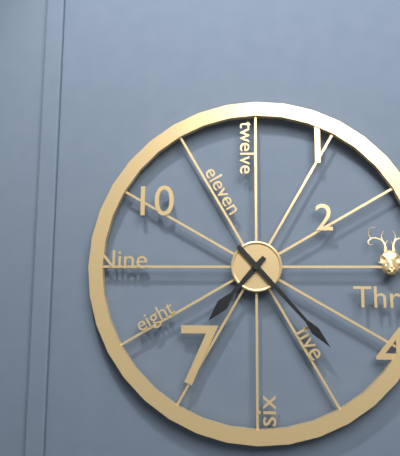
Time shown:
7.23
